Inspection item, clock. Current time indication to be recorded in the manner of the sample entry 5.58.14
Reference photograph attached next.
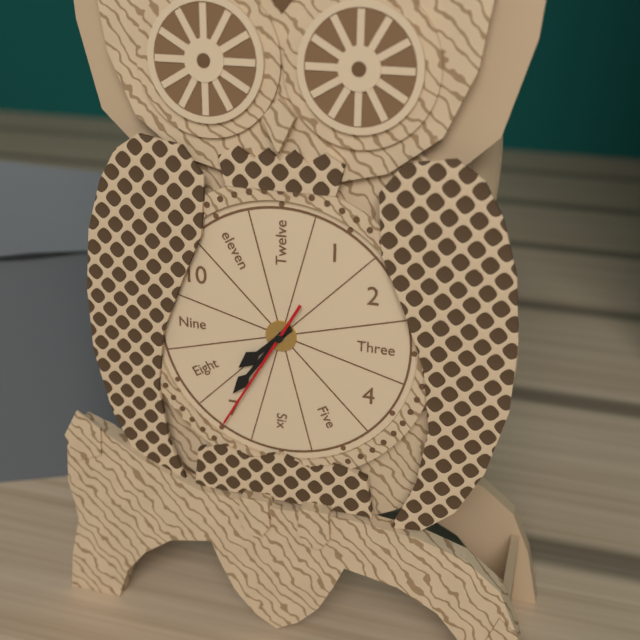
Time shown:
7.36.35
